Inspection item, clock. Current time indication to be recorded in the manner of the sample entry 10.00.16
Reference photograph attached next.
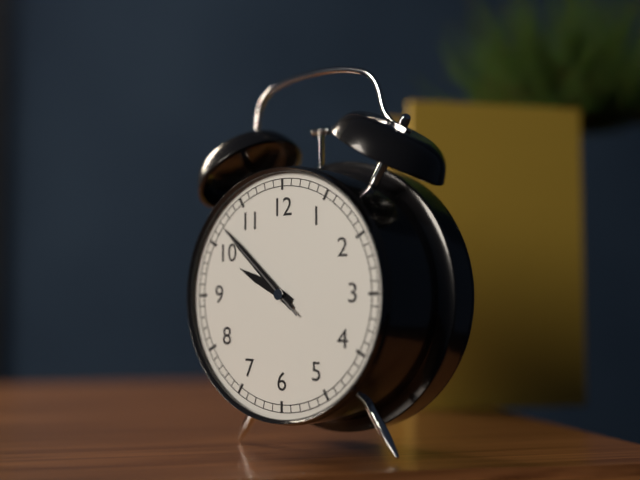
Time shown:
9.52.52
